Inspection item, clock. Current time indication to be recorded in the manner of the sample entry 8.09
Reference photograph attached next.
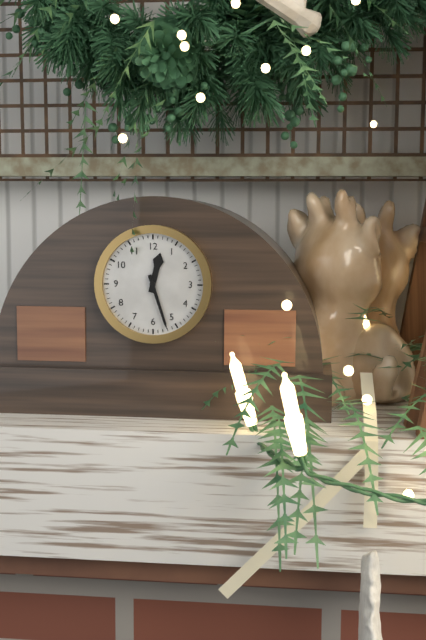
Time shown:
12.27
